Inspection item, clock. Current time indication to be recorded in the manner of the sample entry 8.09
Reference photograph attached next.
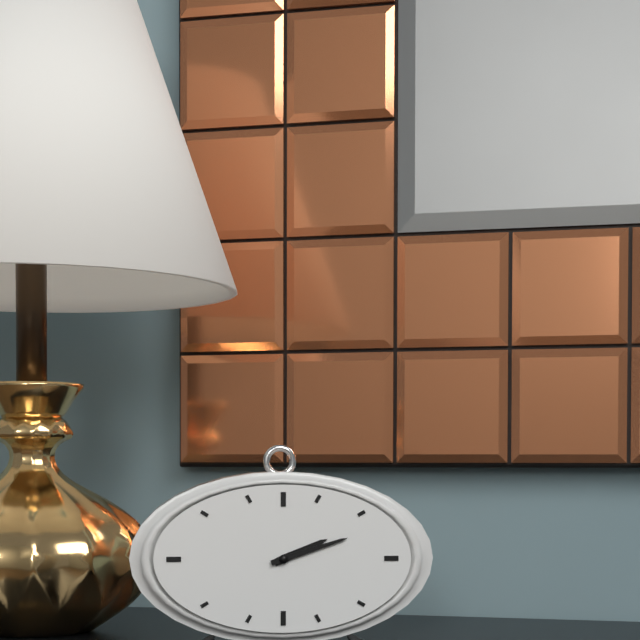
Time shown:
2.12
